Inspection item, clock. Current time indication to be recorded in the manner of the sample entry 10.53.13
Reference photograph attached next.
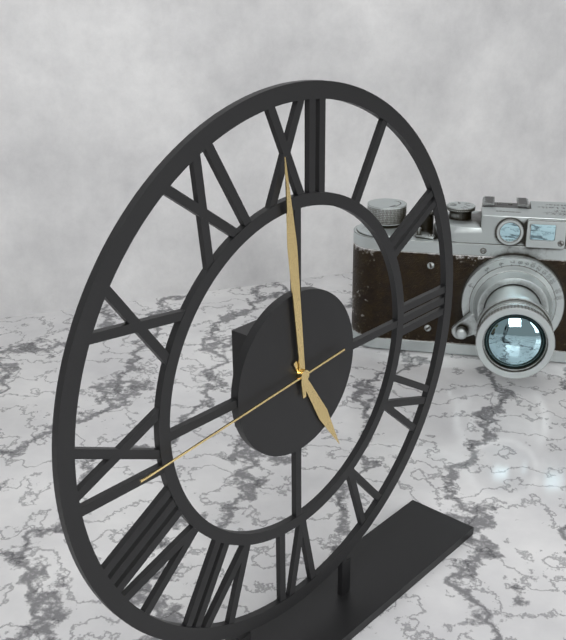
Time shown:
4.59.44
